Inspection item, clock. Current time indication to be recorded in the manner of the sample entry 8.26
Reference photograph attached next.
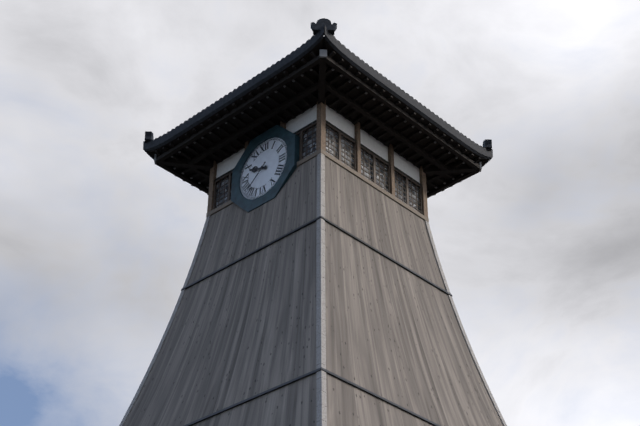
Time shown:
9.38
